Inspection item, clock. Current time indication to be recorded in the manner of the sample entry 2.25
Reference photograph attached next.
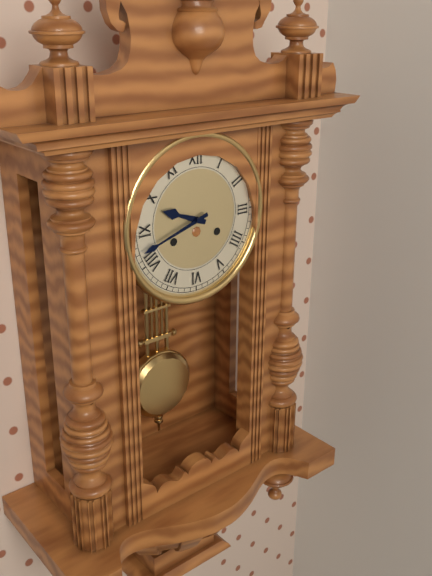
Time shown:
9.42
